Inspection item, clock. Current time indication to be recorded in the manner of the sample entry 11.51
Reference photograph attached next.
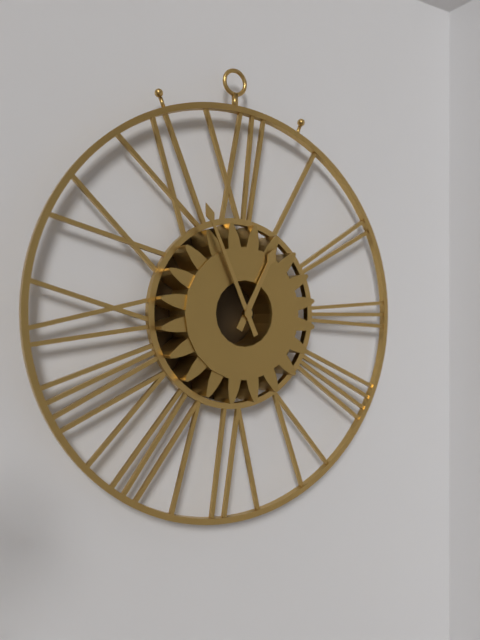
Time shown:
12.56
